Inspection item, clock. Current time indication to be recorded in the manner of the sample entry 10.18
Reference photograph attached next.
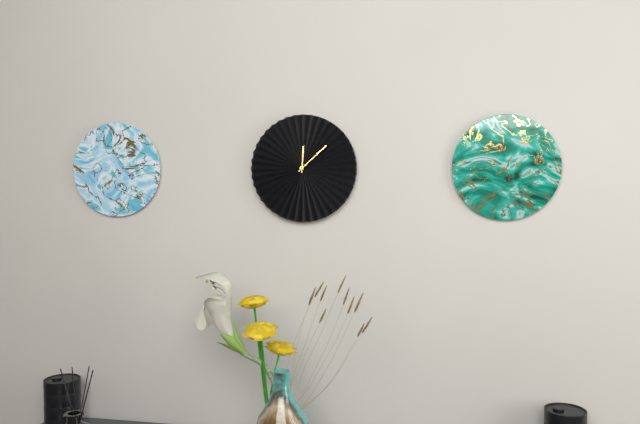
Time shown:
12.08
